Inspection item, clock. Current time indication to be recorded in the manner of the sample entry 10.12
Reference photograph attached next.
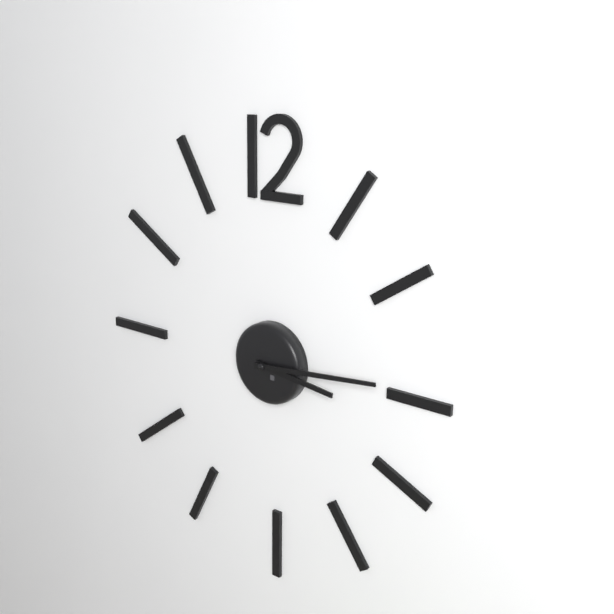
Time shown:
3.14
